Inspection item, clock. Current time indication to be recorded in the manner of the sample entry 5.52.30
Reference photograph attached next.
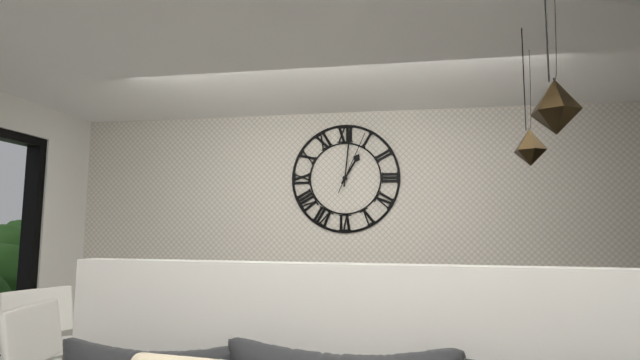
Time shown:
1.01.04
